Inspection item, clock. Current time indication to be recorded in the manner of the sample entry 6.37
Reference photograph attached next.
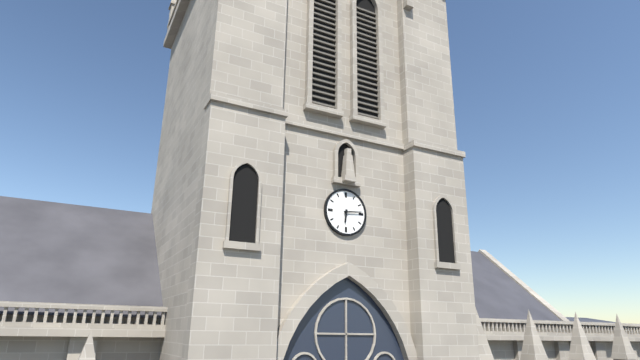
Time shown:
6.14
